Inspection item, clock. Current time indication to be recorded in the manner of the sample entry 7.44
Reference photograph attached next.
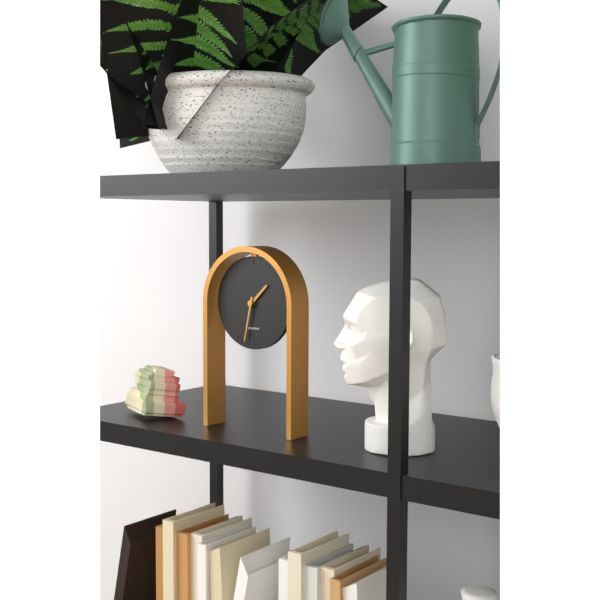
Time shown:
1.32
